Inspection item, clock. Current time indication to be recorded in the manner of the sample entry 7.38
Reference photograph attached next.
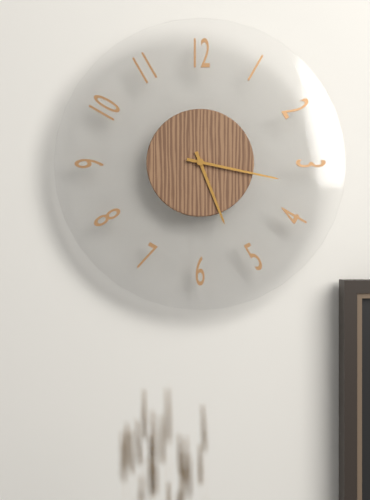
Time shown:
5.17
